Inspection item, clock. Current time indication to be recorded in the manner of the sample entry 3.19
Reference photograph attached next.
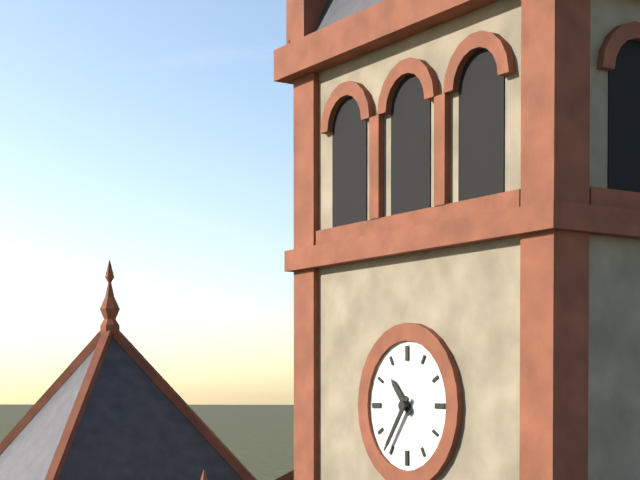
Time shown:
10.36
